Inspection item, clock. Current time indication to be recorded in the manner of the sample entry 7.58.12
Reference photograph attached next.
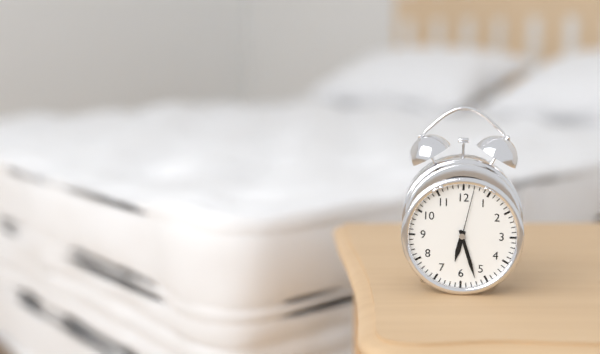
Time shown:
6.27.02
